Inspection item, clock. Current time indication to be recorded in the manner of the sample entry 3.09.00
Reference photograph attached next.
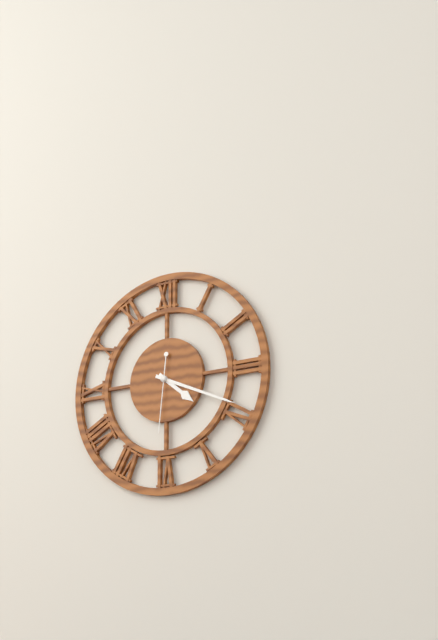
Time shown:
4.19.31
